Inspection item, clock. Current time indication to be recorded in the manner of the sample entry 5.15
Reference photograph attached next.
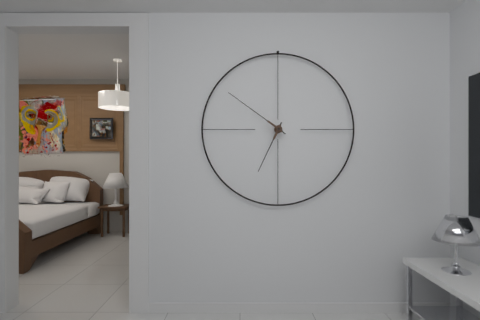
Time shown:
6.51
